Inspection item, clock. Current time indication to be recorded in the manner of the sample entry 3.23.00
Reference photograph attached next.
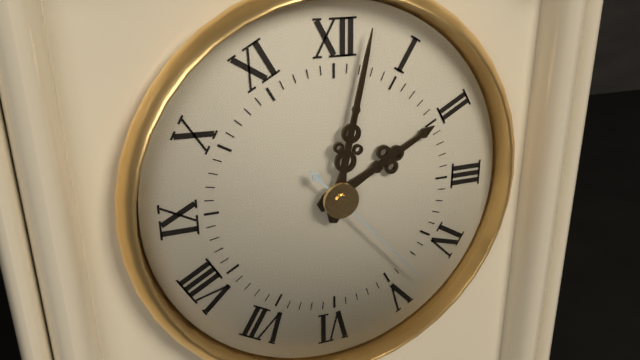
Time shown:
2.02.23
